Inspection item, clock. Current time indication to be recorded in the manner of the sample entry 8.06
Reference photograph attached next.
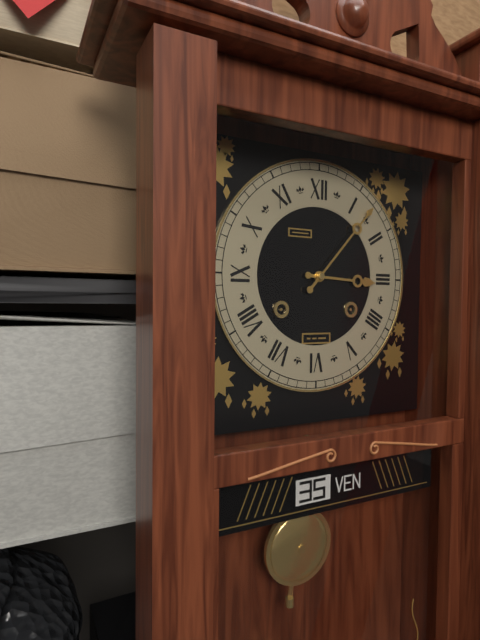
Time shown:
3.07
